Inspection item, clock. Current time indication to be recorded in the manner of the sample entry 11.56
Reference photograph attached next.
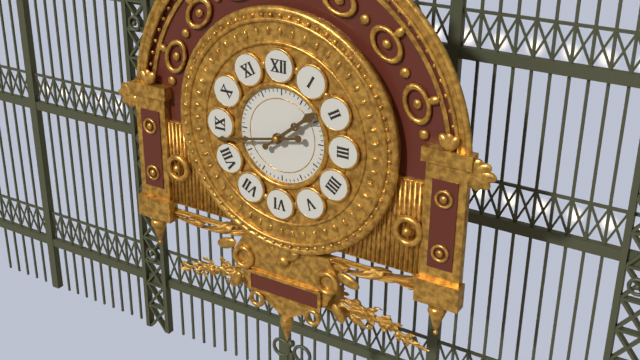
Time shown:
1.43
